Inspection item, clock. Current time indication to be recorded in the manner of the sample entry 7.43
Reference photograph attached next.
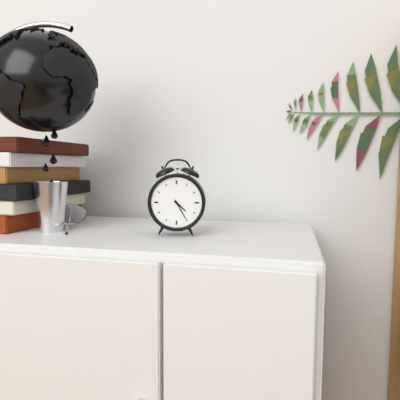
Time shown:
4.25
